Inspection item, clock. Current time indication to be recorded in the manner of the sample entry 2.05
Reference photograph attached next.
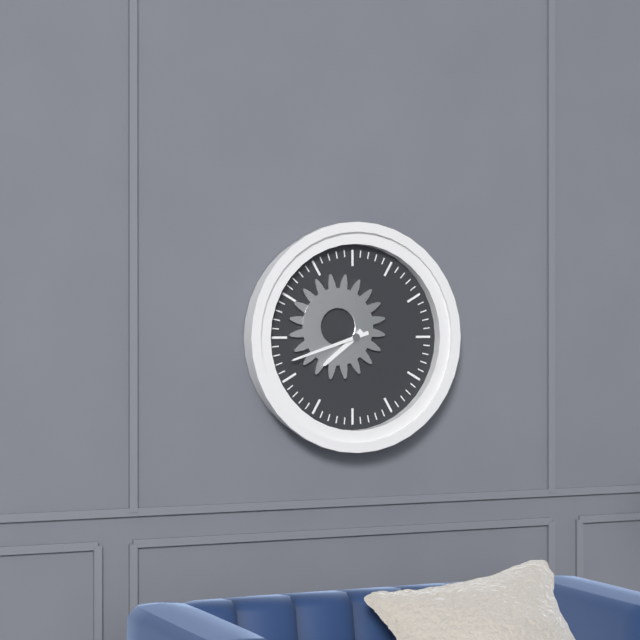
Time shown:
7.42
